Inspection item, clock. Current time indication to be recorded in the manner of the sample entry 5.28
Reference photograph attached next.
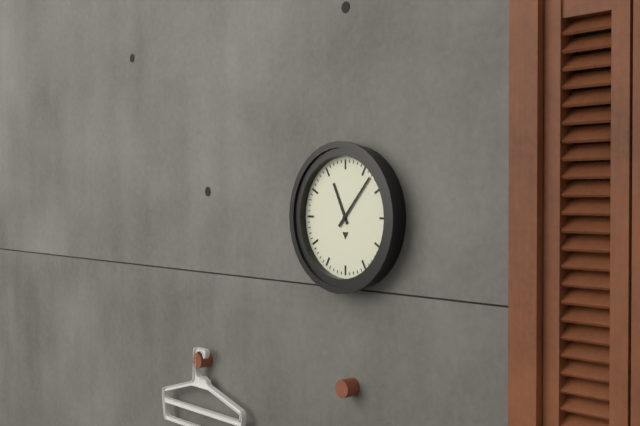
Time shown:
11.07
